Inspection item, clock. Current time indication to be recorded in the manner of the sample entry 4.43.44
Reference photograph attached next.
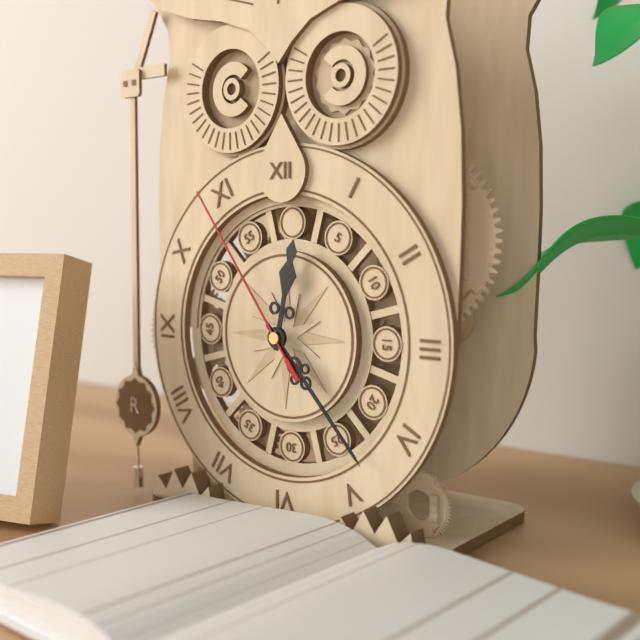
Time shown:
12.23.54
